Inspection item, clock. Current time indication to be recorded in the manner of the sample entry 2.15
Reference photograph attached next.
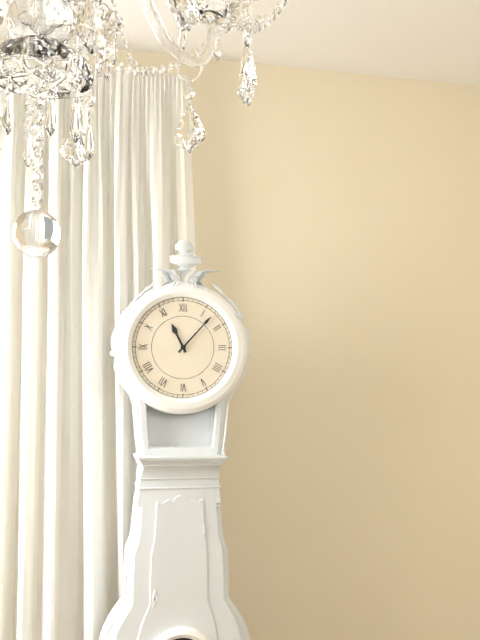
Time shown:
11.07
